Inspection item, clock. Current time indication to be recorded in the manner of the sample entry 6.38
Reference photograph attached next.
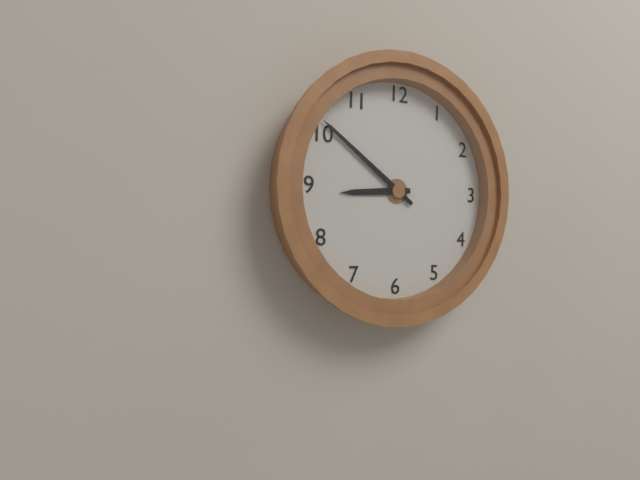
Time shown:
8.51
